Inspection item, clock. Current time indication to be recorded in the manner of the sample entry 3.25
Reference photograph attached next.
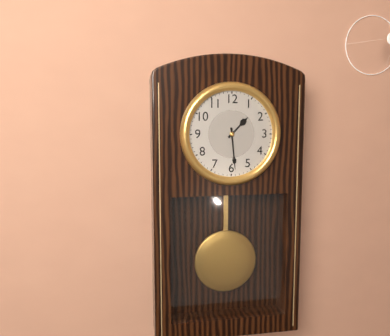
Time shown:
1.29
